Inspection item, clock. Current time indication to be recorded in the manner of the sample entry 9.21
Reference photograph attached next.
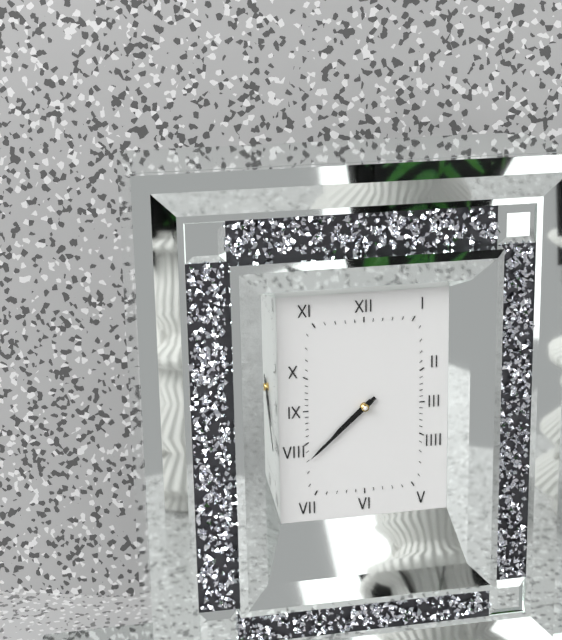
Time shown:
7.38
